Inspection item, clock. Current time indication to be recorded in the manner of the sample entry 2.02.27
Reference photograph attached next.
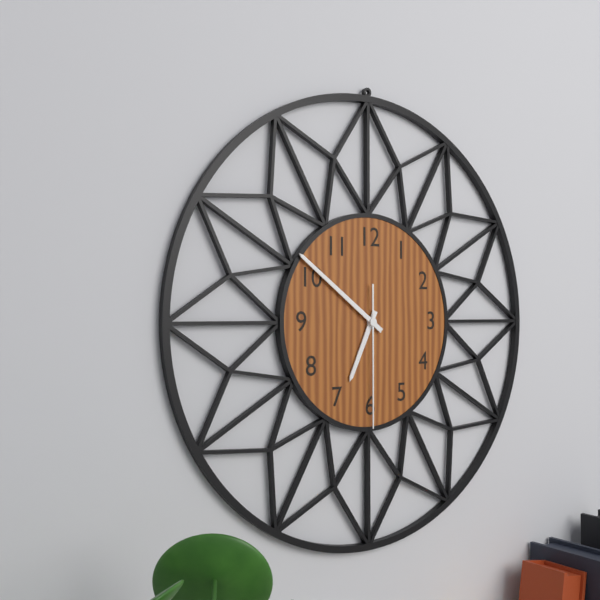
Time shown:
6.51.30
